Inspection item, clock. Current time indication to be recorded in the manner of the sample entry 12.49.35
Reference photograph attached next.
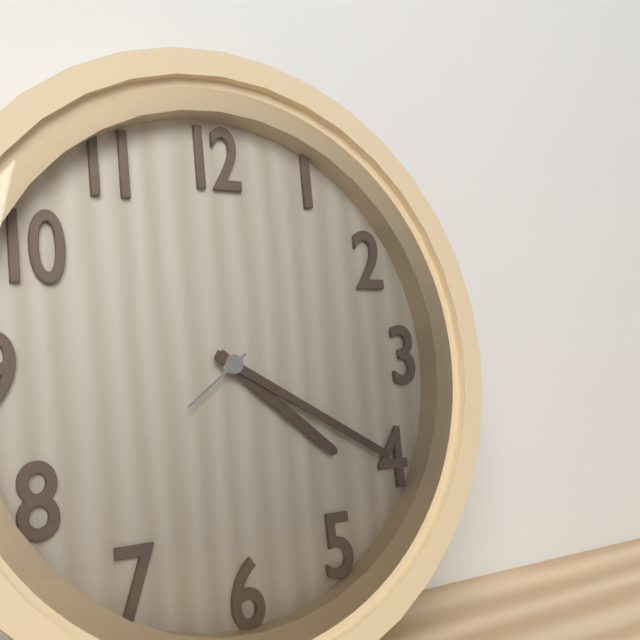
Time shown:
4.20.39
